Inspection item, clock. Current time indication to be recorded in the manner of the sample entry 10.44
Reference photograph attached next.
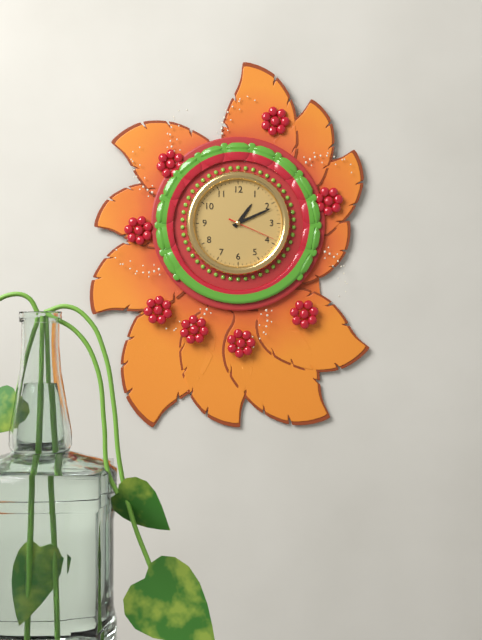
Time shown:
1.11
